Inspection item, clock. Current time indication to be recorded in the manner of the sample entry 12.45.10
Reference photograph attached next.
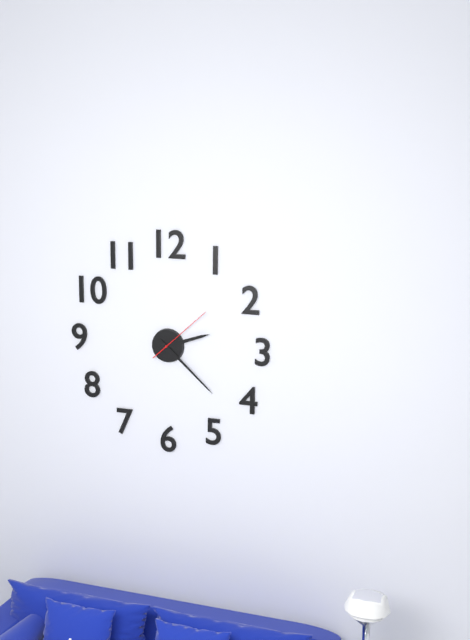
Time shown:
2.22.08
